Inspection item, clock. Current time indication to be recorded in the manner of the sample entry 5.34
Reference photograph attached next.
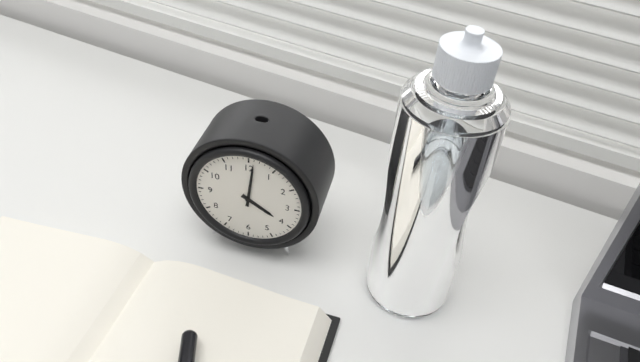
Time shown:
4.01
